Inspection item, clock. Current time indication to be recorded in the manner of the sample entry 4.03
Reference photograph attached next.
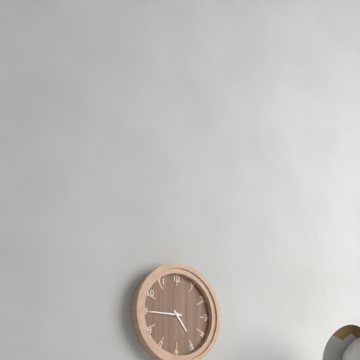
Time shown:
4.45
